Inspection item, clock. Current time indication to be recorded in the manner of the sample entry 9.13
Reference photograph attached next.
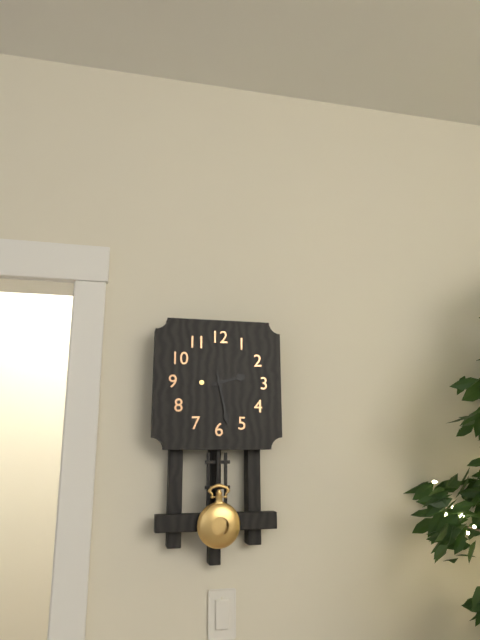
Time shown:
2.28
